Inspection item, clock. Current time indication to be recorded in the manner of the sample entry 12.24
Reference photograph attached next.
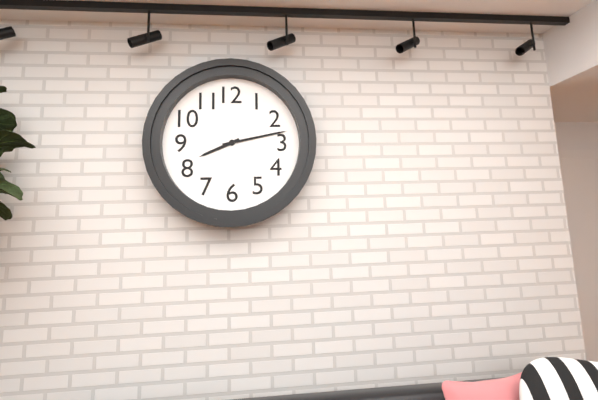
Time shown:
8.13
